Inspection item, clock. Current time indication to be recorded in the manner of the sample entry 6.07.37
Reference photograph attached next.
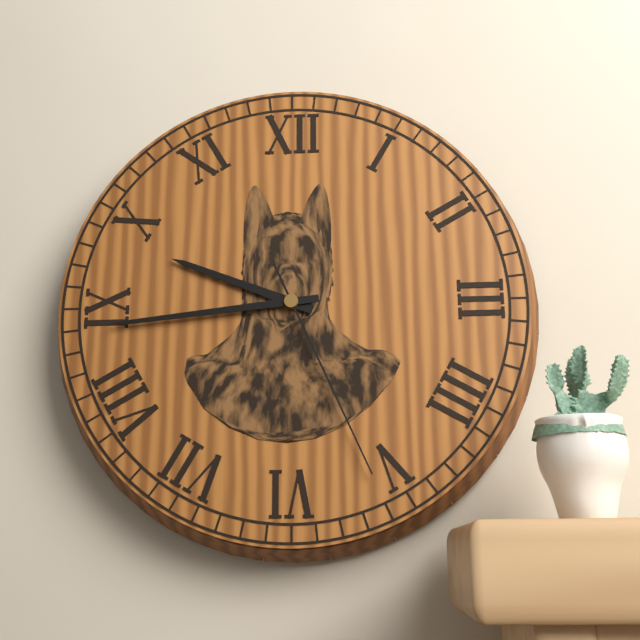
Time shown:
9.44.26
